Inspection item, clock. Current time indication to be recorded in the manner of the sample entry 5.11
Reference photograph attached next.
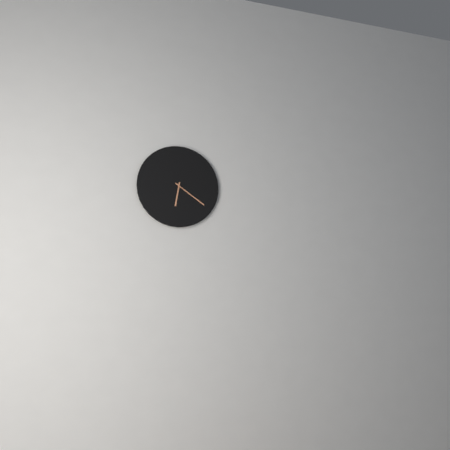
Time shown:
6.21
